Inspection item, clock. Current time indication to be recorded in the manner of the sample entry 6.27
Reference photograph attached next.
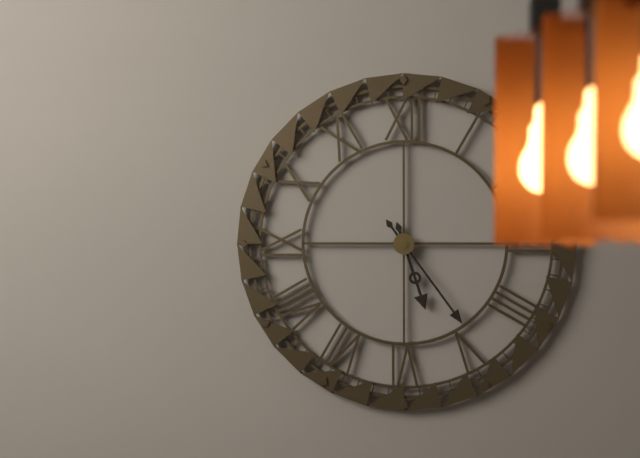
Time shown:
5.24
